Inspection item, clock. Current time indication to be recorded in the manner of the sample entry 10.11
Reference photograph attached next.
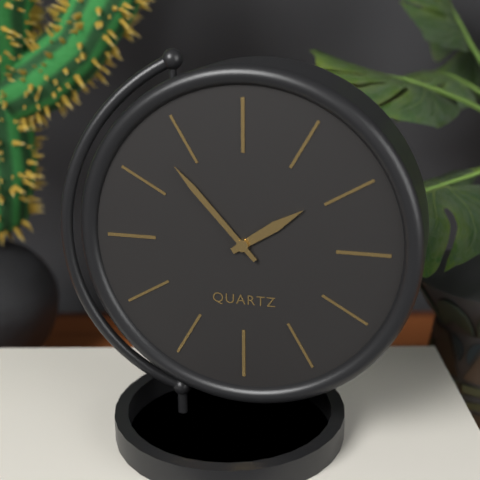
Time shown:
1.53
